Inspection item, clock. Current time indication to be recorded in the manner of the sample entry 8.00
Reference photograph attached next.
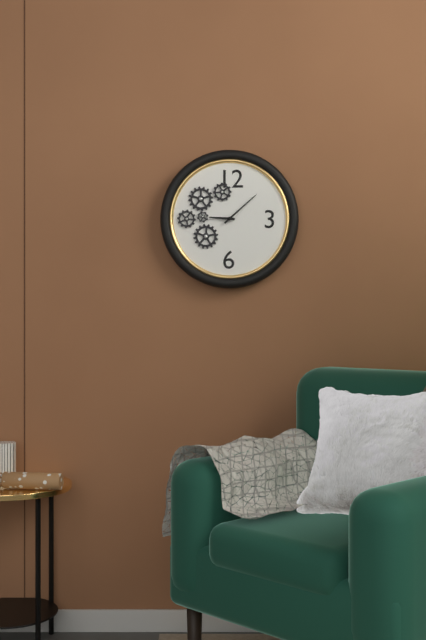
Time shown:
9.08
